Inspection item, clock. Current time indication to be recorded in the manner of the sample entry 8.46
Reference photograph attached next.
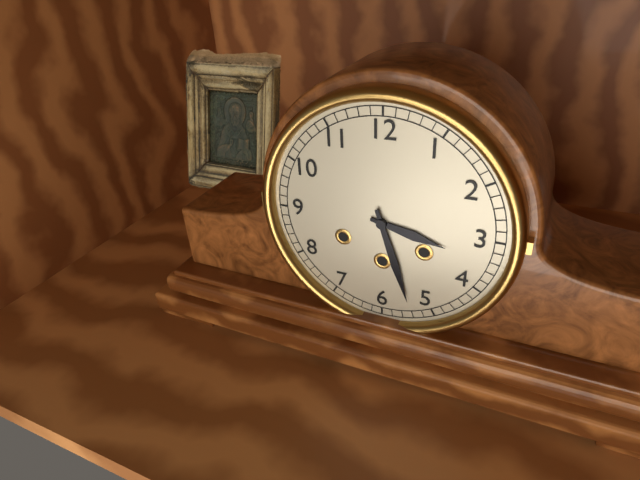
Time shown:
3.27
